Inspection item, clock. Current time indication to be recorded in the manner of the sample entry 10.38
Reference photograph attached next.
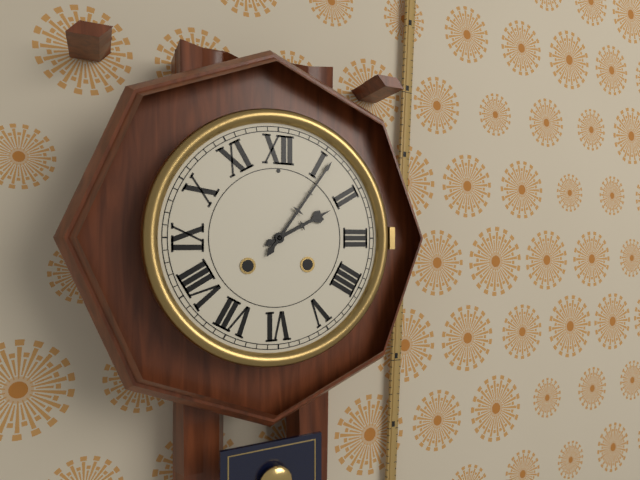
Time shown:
2.06
